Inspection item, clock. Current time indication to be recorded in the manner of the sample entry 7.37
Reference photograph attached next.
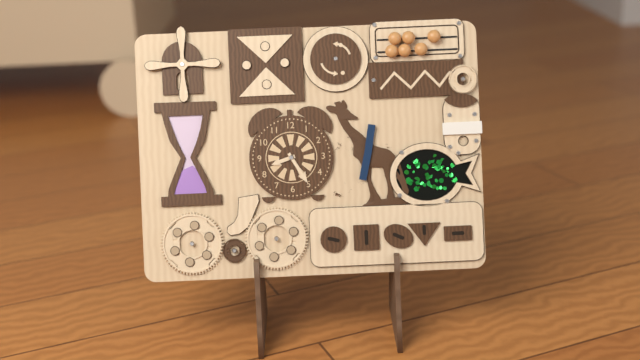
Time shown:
8.25
